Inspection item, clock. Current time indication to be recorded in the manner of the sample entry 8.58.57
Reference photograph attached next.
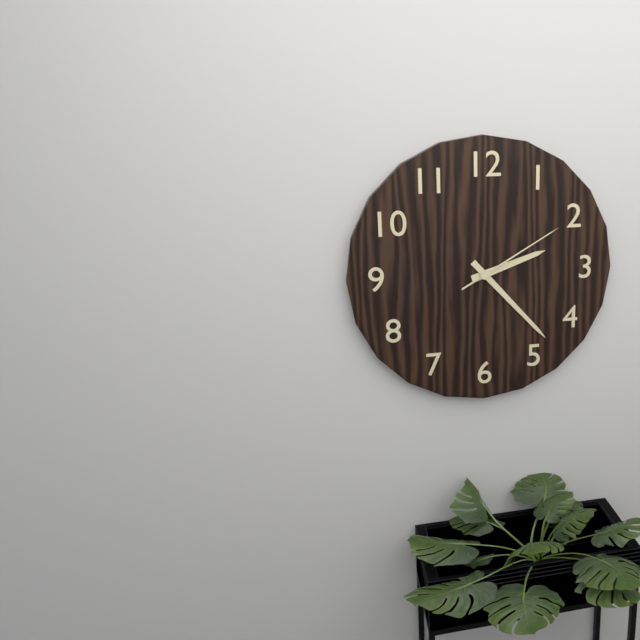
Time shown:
2.23.10
